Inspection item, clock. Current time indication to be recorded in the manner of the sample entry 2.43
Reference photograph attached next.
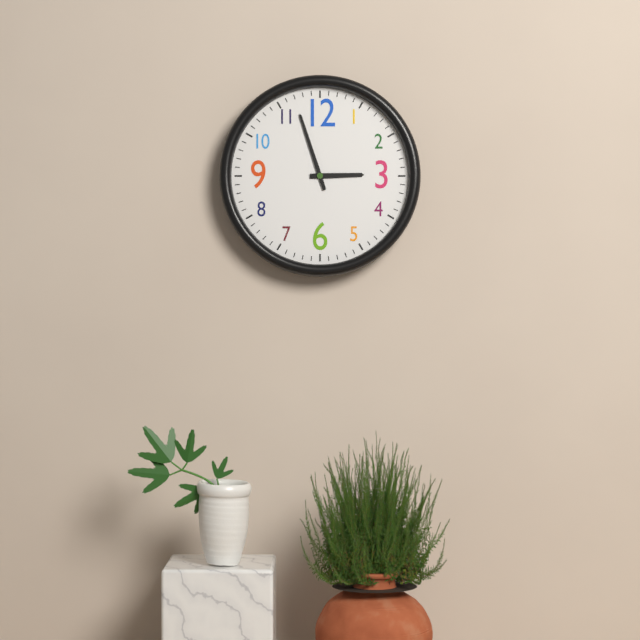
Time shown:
2.57
